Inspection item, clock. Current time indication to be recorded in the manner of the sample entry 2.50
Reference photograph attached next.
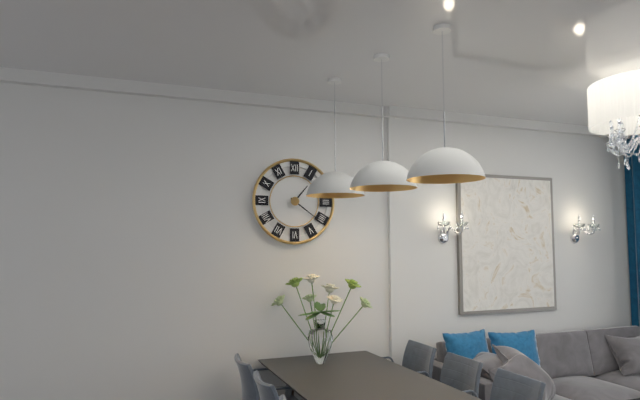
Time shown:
1.21
